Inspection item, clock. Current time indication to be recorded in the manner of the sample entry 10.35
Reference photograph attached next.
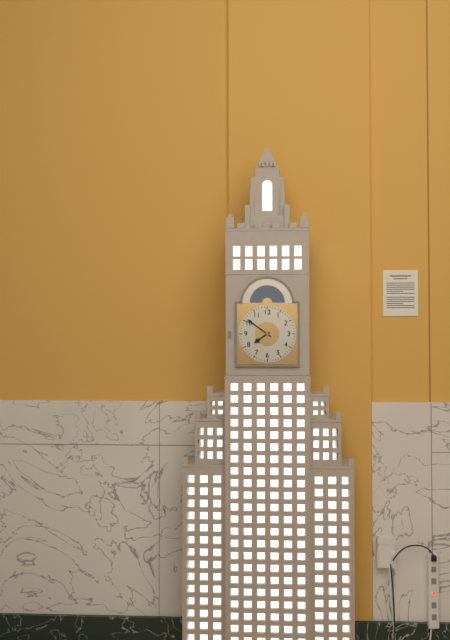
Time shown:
7.51
